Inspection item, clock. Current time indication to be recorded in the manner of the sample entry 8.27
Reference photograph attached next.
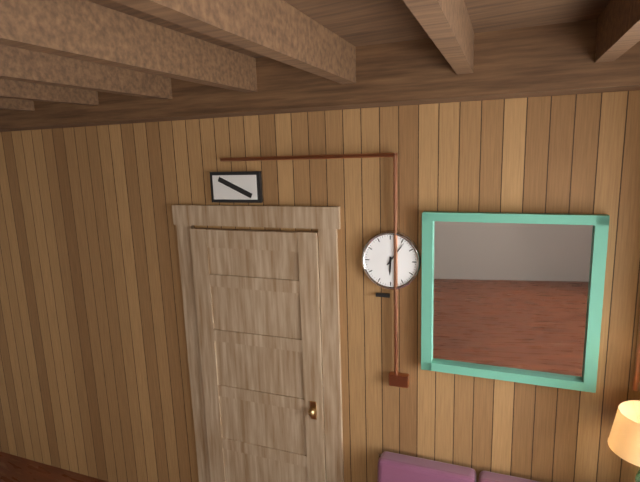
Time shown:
6.06
